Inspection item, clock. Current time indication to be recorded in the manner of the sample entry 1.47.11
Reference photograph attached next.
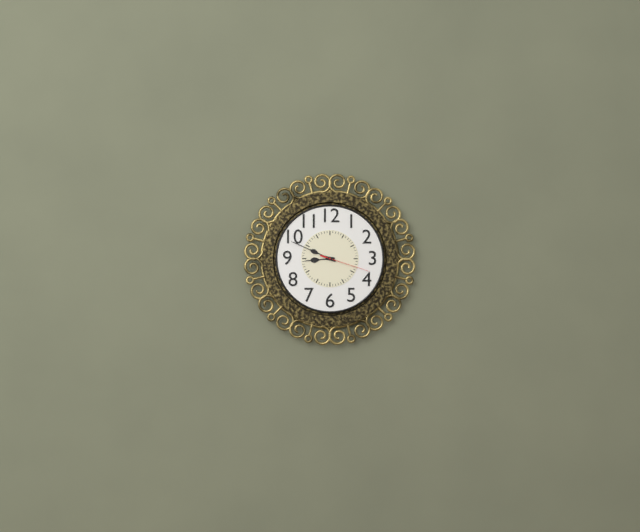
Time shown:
8.49.18
